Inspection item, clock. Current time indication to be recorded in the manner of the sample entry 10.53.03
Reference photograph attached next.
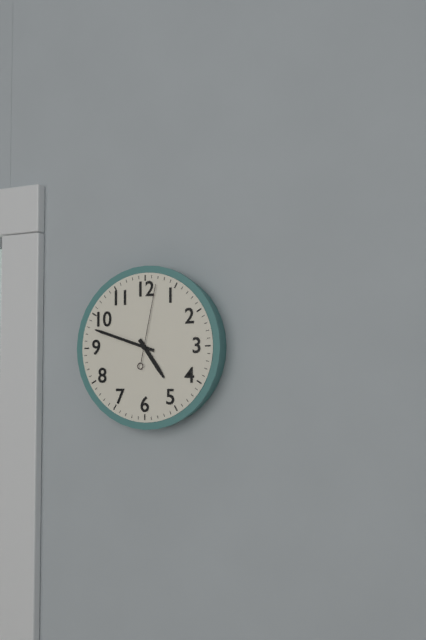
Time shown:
4.48.02
